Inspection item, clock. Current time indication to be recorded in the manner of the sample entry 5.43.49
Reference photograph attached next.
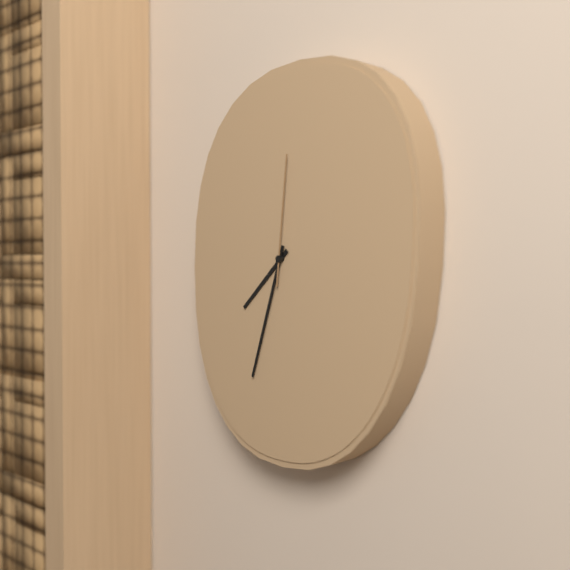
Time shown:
7.33.01
